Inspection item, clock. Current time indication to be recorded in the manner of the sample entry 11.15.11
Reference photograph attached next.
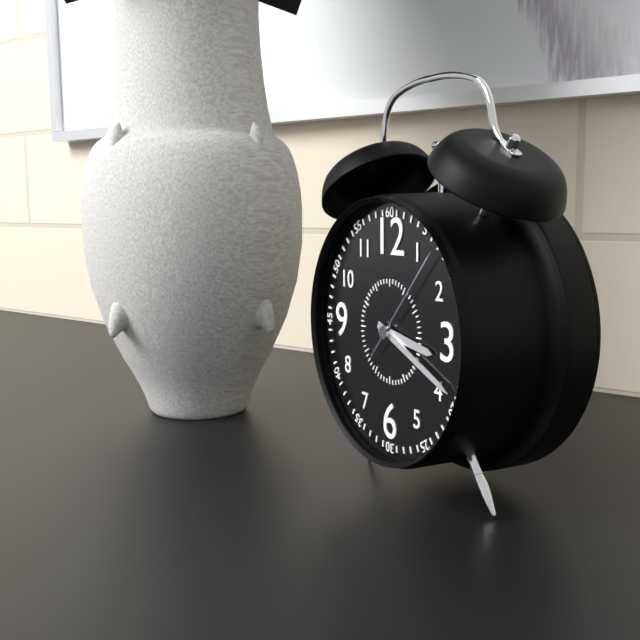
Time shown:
3.19.07
